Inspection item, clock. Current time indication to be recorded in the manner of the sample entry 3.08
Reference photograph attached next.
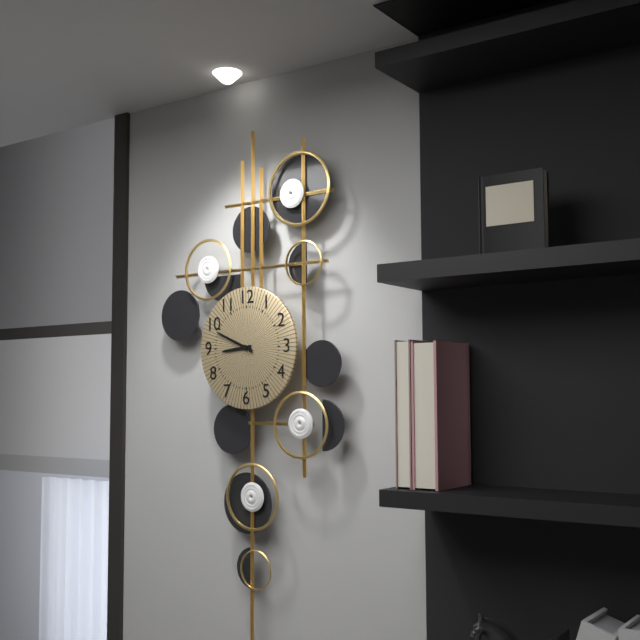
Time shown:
8.49
